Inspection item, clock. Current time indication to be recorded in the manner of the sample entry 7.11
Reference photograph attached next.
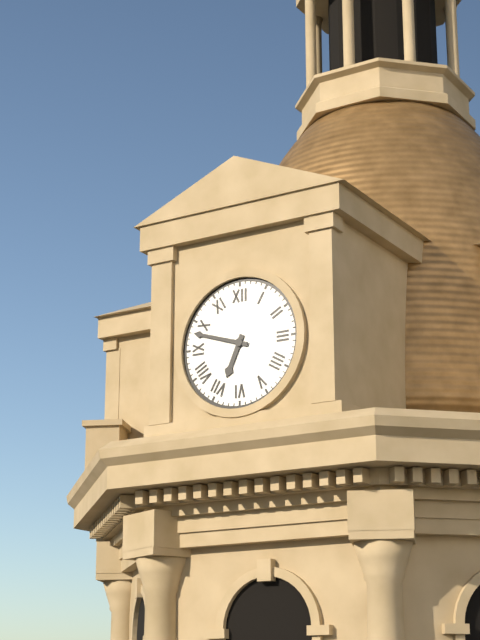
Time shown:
6.48
